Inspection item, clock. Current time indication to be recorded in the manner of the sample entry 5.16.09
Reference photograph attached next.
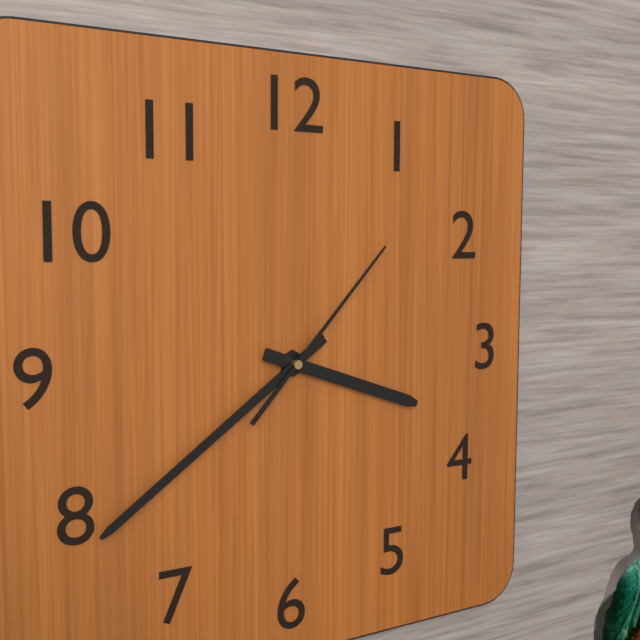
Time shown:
3.39.07
